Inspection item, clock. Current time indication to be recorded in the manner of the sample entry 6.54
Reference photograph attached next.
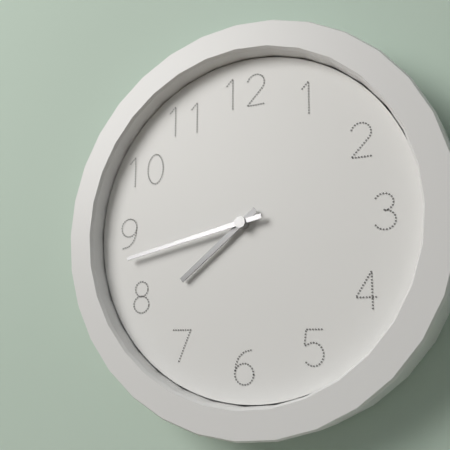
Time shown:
7.43
